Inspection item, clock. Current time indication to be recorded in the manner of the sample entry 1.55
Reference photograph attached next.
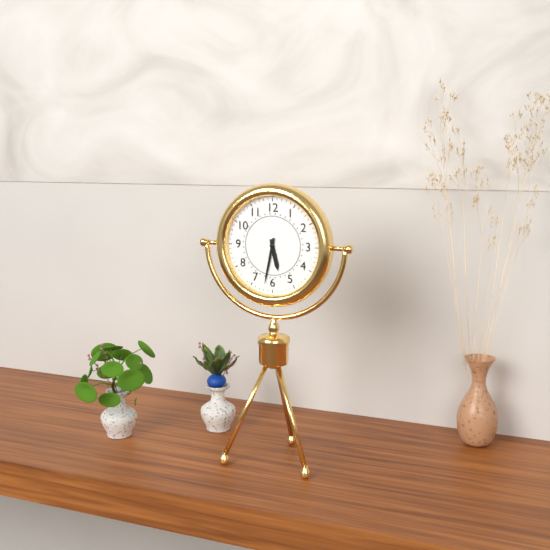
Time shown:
5.32
